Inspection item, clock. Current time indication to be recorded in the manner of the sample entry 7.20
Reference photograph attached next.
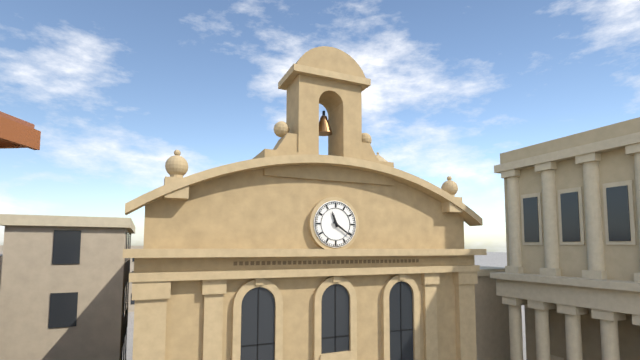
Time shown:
11.21
